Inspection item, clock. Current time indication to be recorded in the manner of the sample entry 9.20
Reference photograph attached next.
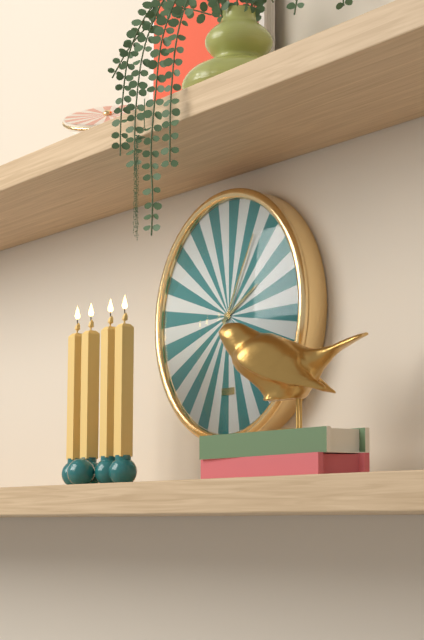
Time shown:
2.05
